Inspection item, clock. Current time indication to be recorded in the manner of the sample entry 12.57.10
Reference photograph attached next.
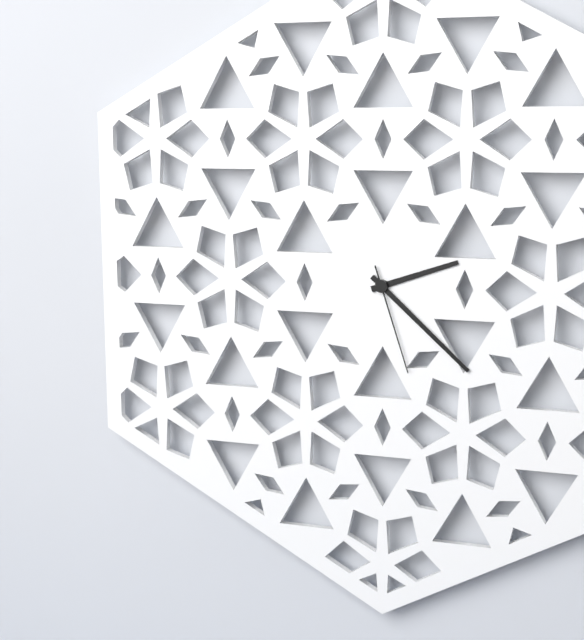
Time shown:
2.22.27
